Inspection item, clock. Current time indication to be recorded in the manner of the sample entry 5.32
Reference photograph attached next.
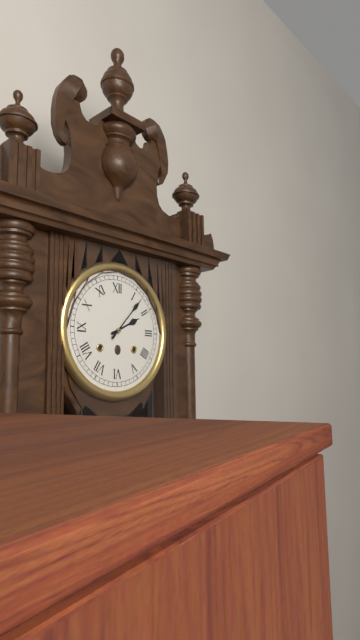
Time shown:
2.07
